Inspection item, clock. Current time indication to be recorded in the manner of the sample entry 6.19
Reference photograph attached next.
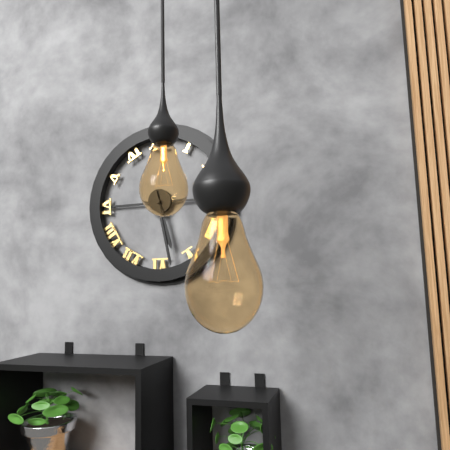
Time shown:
5.28
